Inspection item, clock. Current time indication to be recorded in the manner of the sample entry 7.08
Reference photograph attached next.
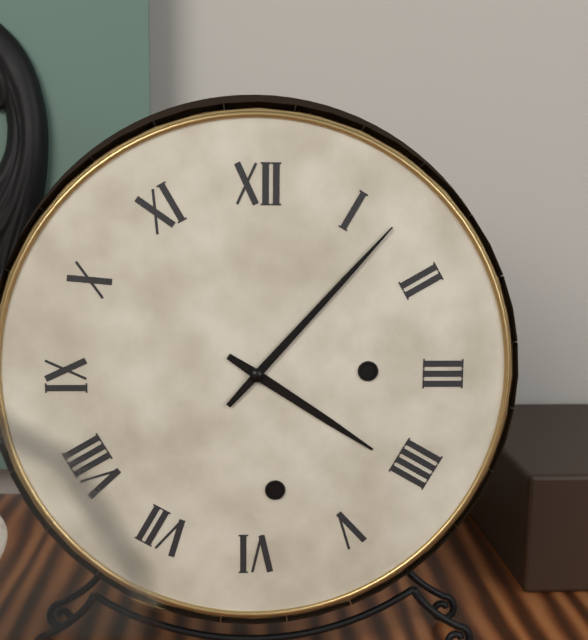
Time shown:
4.07
